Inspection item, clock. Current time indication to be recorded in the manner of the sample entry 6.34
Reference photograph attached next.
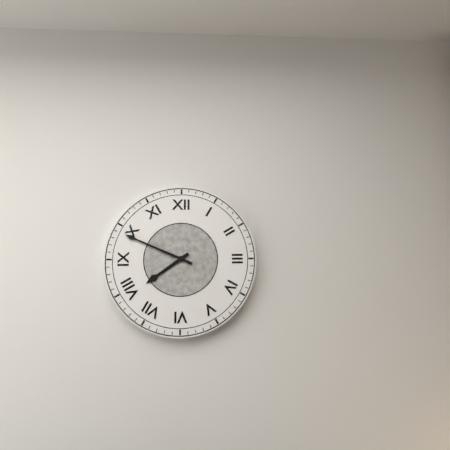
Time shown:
7.49
